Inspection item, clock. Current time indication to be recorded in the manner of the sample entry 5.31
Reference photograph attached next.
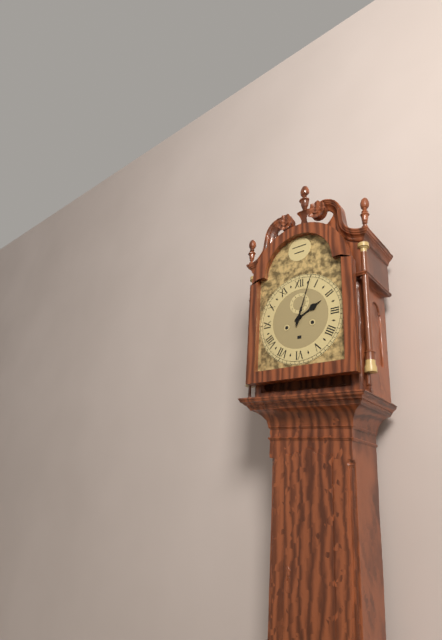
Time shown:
2.03
